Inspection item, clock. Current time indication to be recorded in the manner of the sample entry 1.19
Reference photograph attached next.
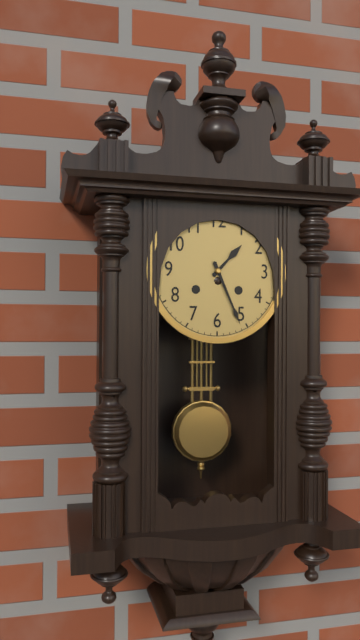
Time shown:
1.26
